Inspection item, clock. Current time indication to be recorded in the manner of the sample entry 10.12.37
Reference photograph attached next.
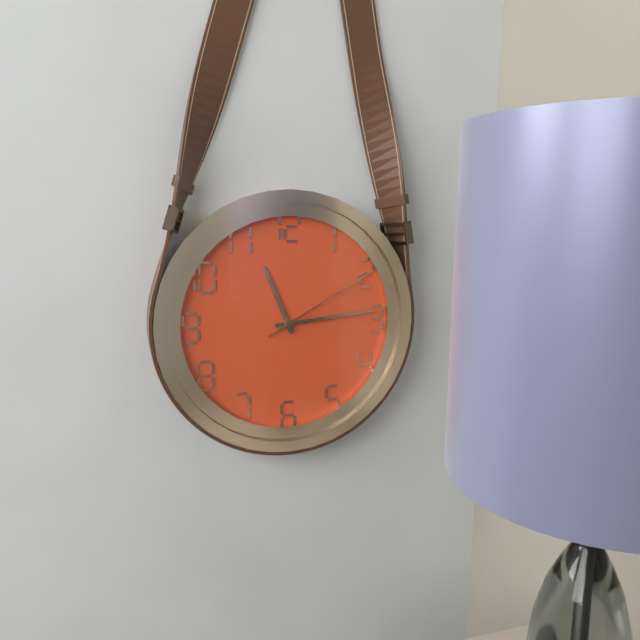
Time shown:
11.14.10
